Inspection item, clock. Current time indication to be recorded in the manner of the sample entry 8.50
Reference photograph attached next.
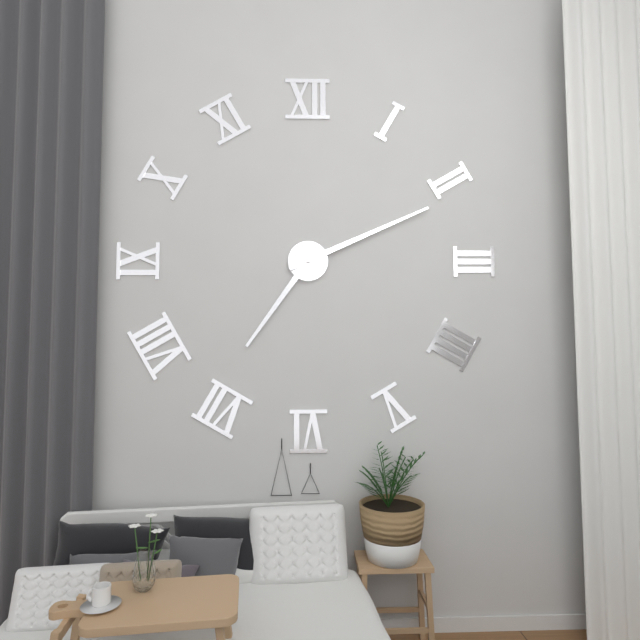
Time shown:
7.11
